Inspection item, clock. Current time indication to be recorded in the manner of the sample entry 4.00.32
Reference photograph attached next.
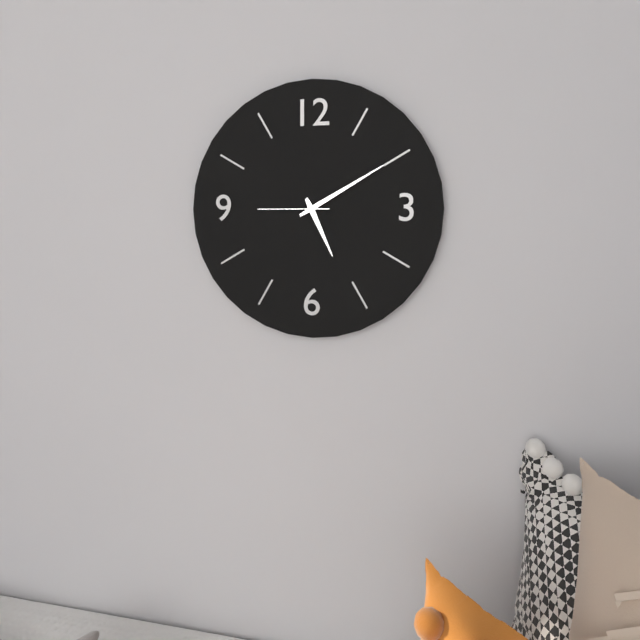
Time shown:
5.10.45
